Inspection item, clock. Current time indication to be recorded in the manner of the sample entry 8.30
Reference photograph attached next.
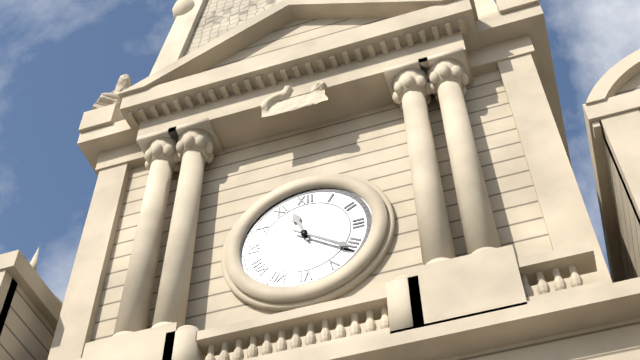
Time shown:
11.21
